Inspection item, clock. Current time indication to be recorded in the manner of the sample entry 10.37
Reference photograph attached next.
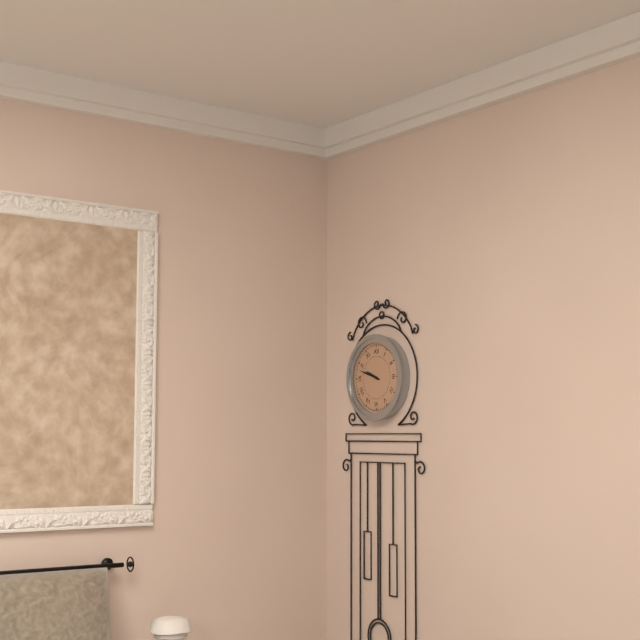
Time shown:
9.48
